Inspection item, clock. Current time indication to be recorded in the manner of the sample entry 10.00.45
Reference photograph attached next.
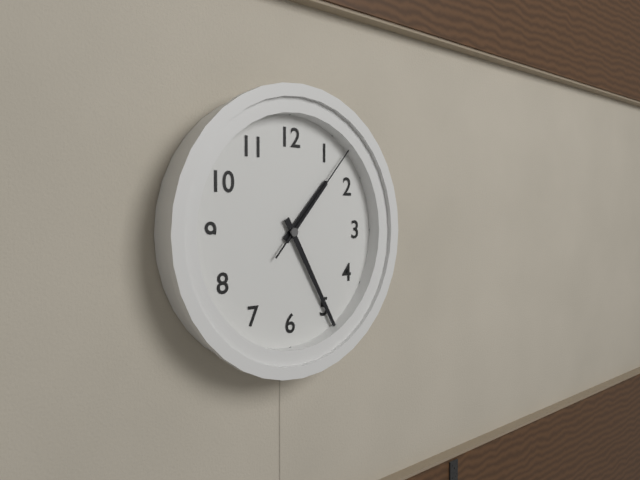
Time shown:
1.25.07
